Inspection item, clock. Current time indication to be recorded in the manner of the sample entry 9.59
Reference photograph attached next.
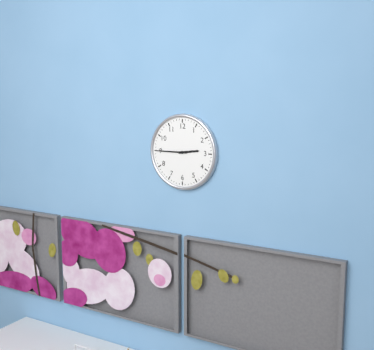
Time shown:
2.45
